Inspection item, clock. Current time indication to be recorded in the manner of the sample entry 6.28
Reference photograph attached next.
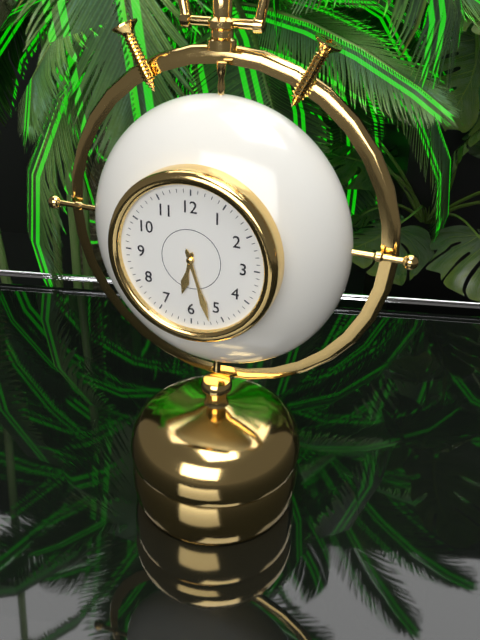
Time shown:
6.27
